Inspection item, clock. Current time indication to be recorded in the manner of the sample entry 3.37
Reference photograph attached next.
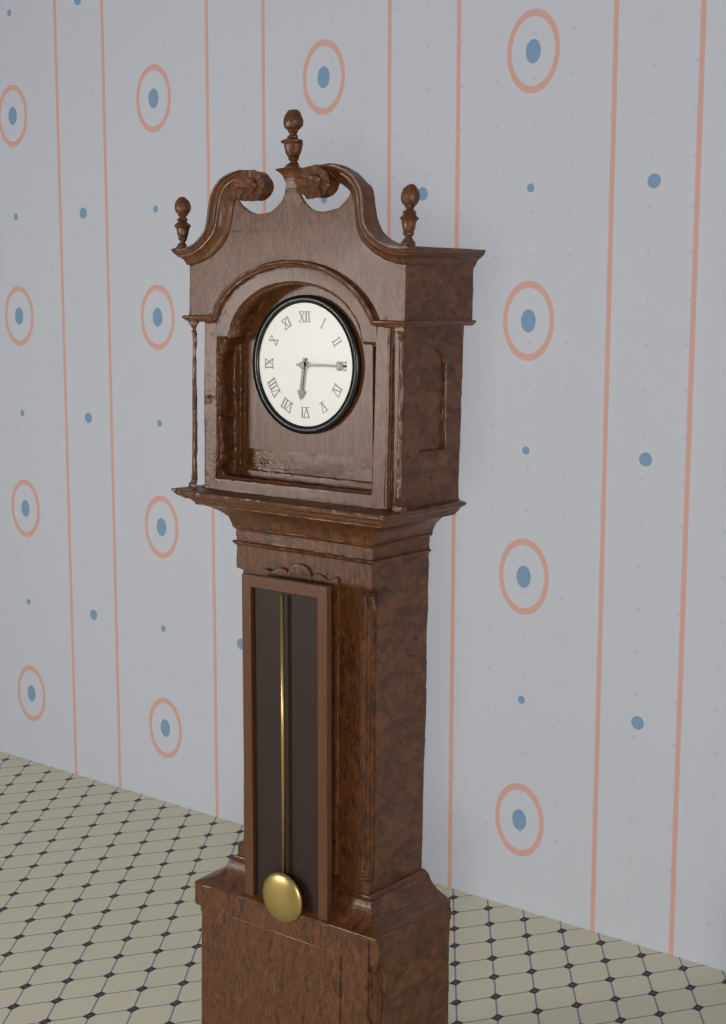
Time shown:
6.15
